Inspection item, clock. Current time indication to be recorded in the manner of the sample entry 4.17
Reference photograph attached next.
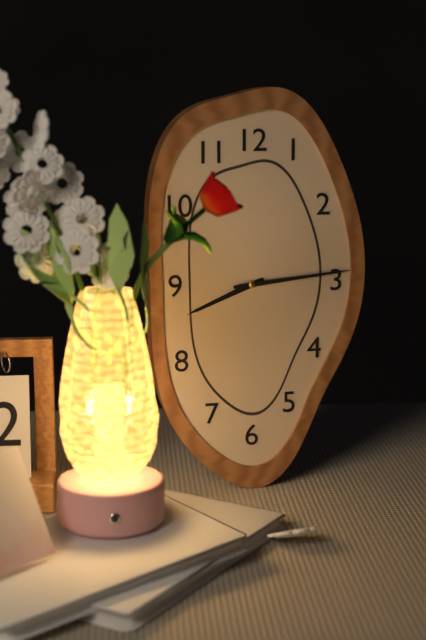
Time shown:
8.14
